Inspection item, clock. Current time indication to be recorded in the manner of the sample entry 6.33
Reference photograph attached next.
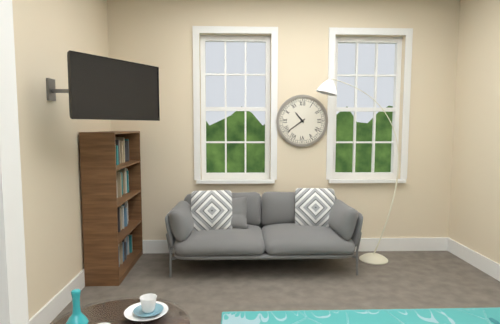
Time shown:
10.39
